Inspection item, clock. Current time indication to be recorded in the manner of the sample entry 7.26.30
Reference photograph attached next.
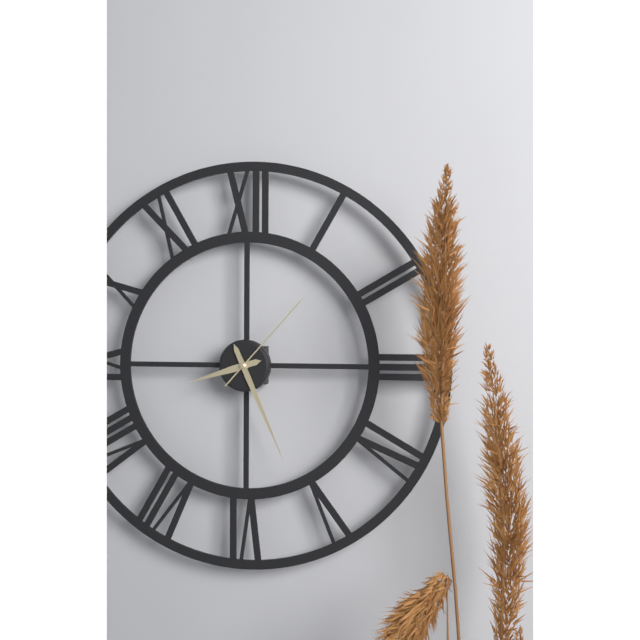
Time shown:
8.26.07
